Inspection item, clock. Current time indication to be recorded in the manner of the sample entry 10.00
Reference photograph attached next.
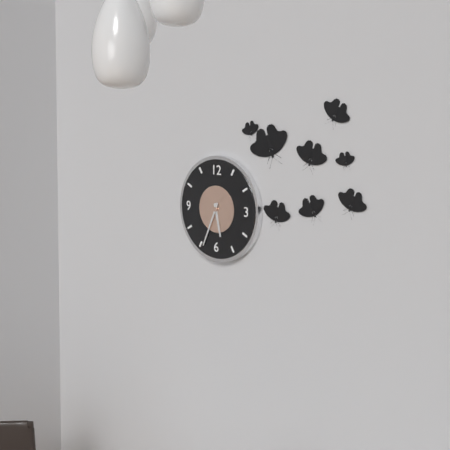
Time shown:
5.34
